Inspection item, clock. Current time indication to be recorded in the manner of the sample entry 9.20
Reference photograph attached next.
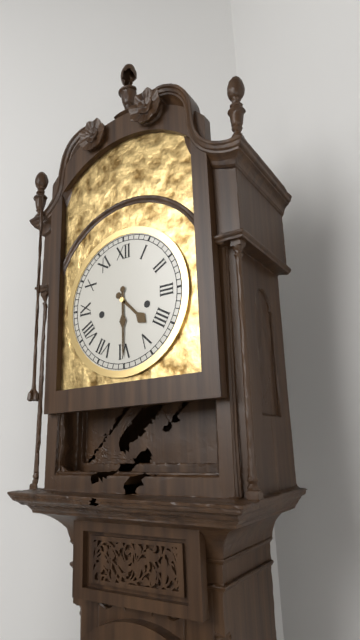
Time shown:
4.30
